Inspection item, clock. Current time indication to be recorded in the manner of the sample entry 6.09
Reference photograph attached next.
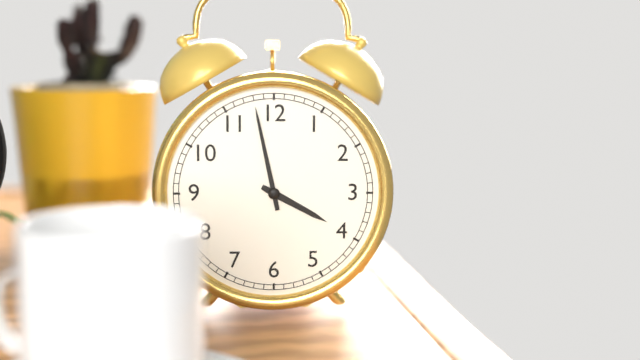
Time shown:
3.58
